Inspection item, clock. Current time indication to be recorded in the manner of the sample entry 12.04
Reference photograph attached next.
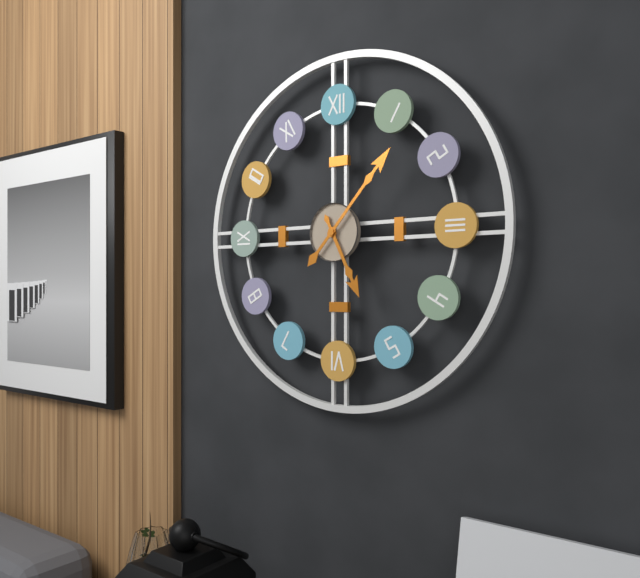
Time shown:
5.07
